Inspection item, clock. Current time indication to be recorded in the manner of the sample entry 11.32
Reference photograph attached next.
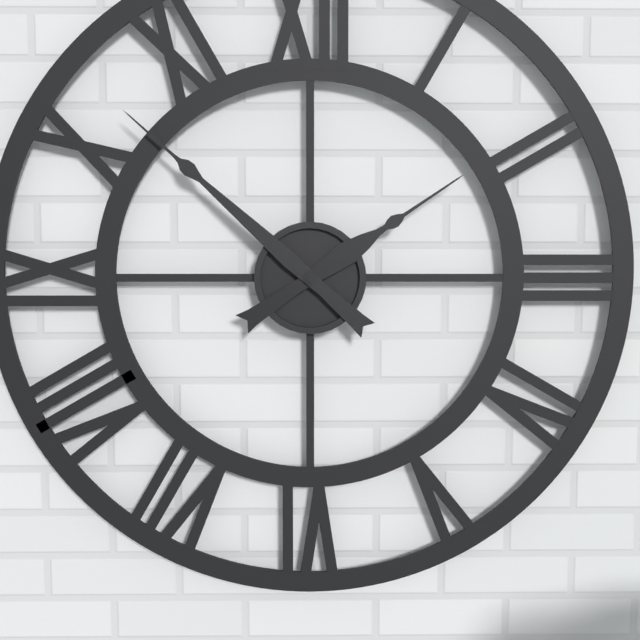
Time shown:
1.52
